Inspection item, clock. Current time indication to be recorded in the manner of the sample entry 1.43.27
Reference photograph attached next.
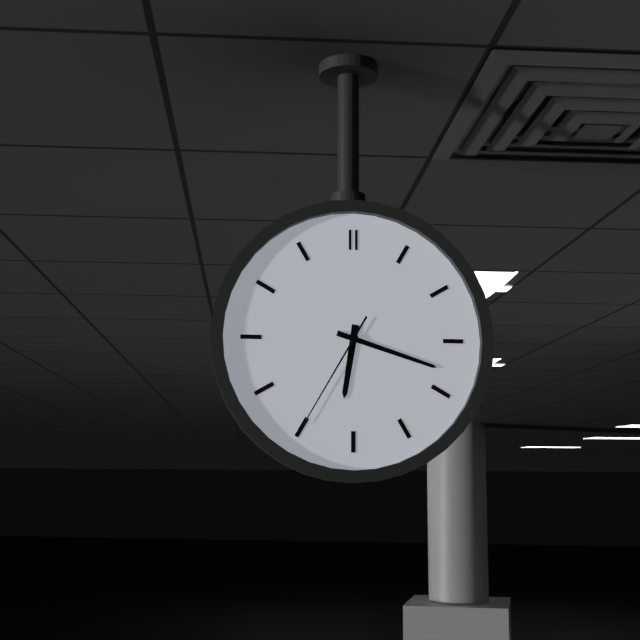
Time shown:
6.18.35
